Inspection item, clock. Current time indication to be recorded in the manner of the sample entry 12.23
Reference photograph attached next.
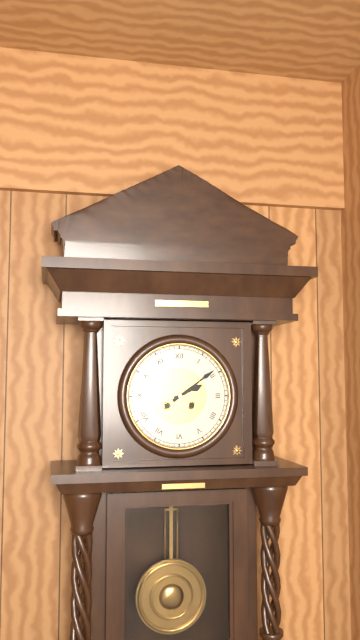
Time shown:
2.09
